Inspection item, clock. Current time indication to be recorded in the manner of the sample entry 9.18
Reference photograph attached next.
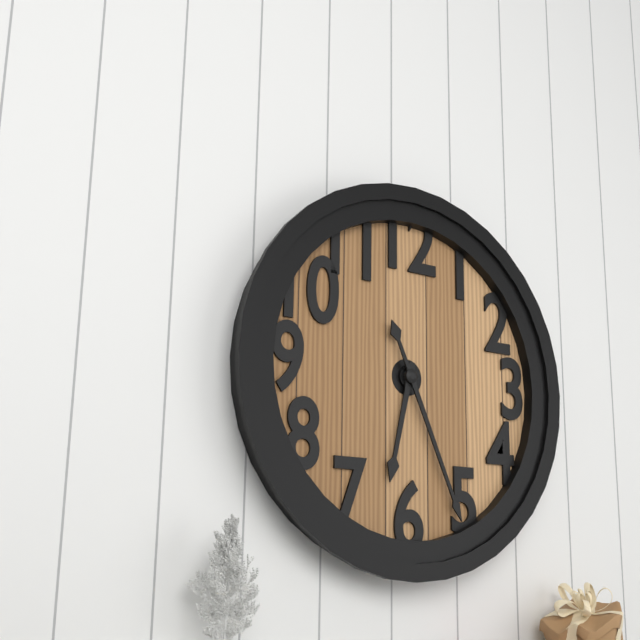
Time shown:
6.26
